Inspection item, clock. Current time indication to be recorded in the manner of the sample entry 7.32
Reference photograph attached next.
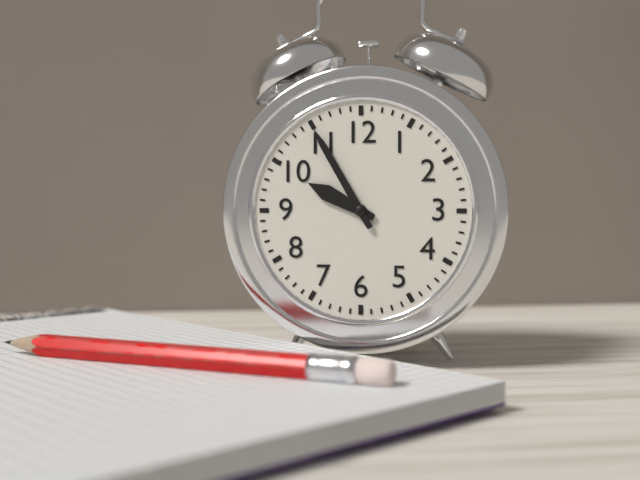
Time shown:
9.55
